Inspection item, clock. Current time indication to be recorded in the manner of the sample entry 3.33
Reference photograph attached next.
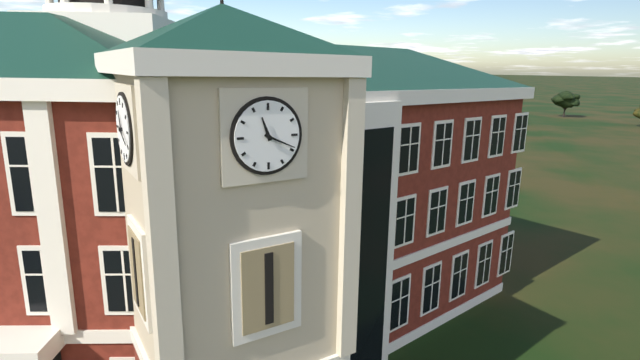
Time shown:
11.19
